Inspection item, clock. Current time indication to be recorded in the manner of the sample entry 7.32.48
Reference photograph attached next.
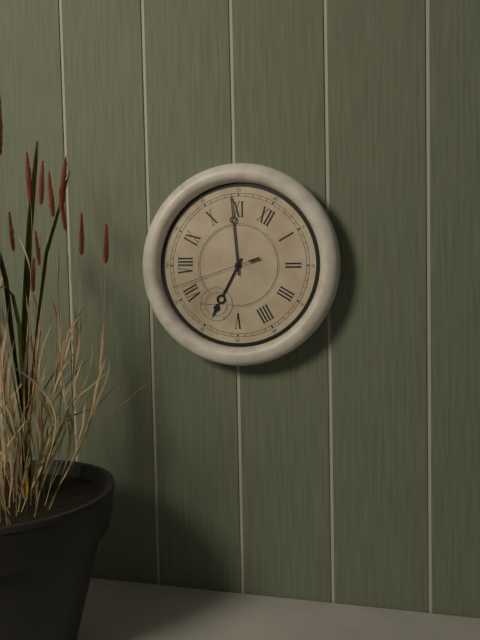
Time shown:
5.54.37
